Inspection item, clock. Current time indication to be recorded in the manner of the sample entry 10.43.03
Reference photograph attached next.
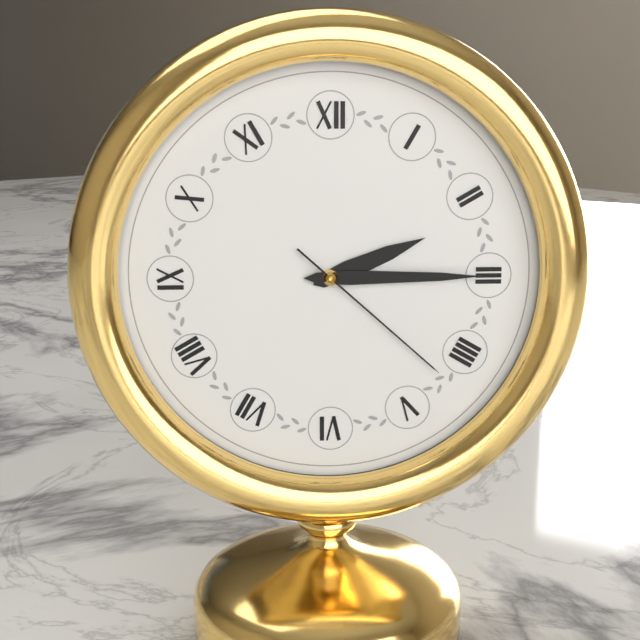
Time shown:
2.15.22
